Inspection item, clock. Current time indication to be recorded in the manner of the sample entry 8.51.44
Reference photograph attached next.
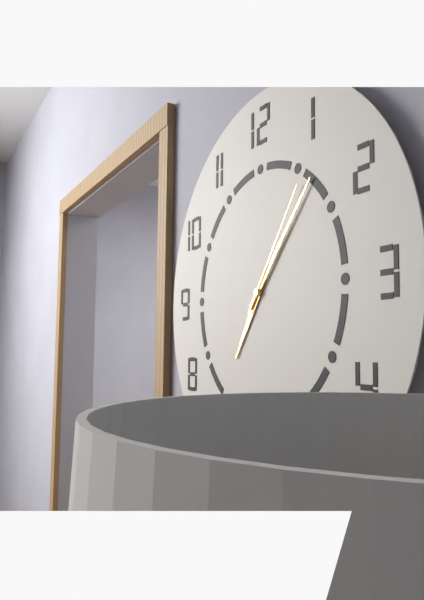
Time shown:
7.07.06
